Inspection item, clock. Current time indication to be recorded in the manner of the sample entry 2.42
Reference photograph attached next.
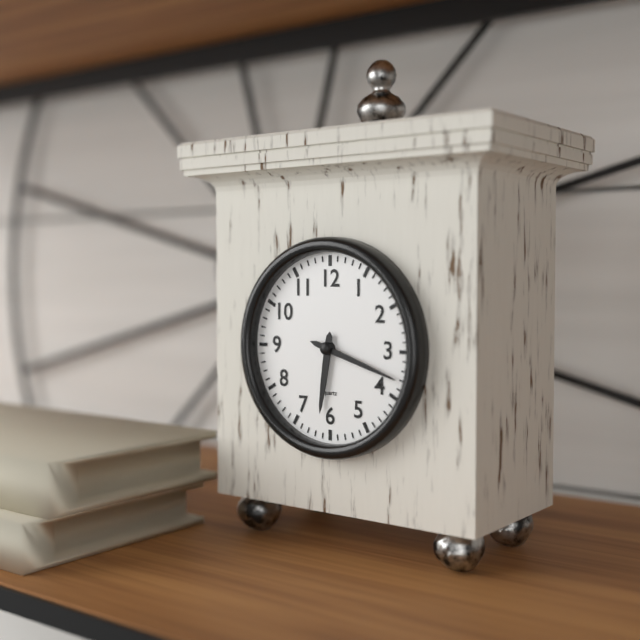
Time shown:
6.18
